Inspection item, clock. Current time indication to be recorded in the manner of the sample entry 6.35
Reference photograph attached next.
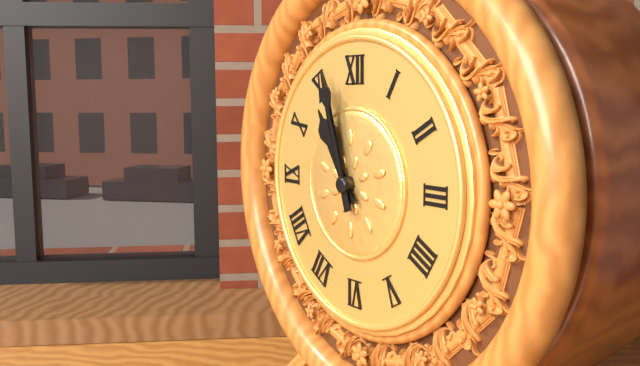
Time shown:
10.57
